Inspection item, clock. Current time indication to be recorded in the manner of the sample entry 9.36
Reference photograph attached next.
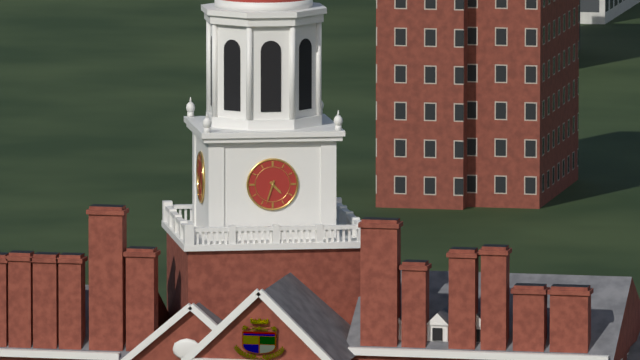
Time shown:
4.33
